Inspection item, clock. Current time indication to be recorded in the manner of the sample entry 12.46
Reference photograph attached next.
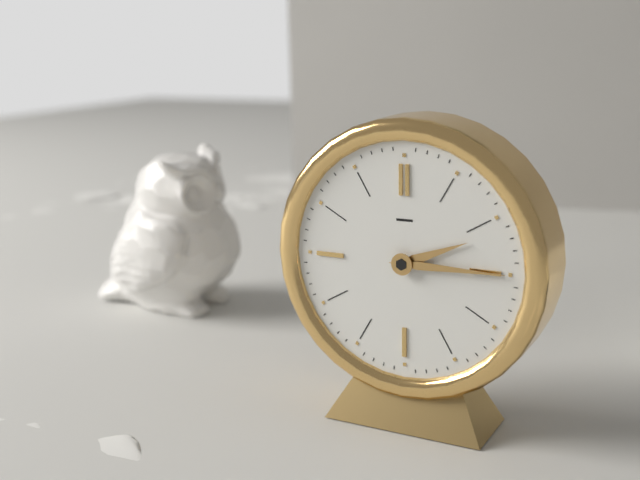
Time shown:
2.15
